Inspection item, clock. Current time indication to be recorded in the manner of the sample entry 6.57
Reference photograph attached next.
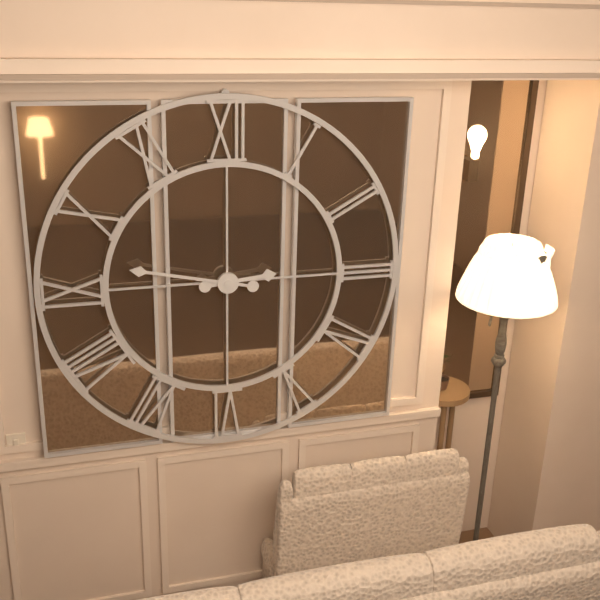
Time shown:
2.47
